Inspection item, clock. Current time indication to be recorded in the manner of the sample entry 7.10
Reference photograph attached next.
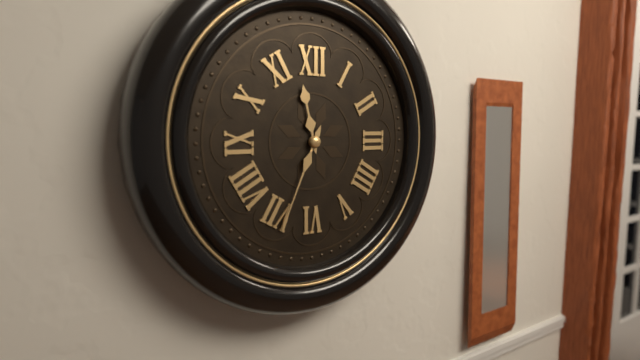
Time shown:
11.34
